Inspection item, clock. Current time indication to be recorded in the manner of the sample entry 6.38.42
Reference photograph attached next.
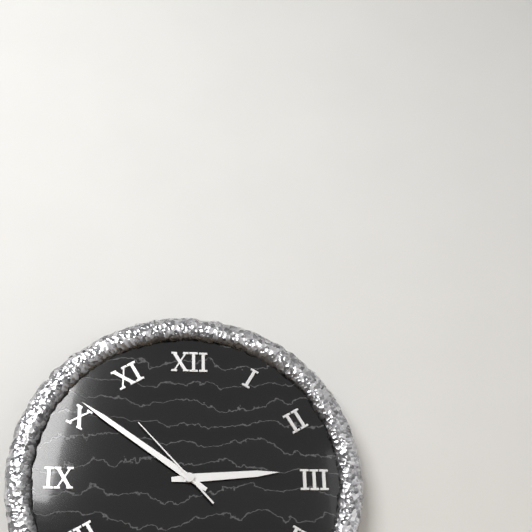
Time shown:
2.51.53
